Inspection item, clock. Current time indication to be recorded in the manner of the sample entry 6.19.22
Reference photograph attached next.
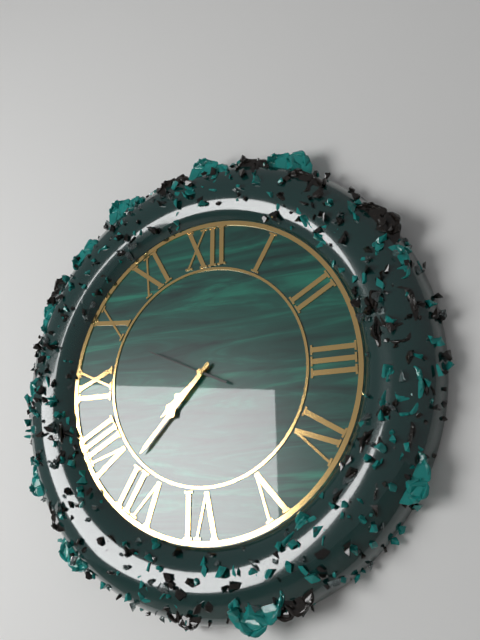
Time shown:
7.37.49
